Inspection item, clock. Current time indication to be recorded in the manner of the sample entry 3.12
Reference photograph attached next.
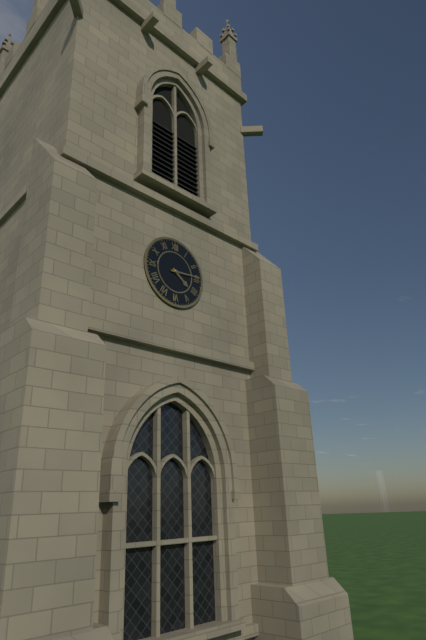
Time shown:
4.14
